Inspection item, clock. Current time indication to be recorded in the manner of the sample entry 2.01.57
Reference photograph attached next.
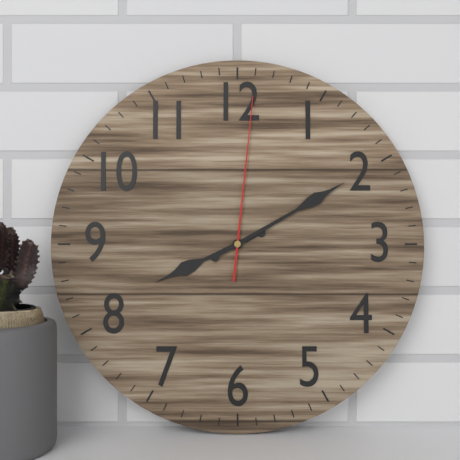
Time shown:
8.10.01
